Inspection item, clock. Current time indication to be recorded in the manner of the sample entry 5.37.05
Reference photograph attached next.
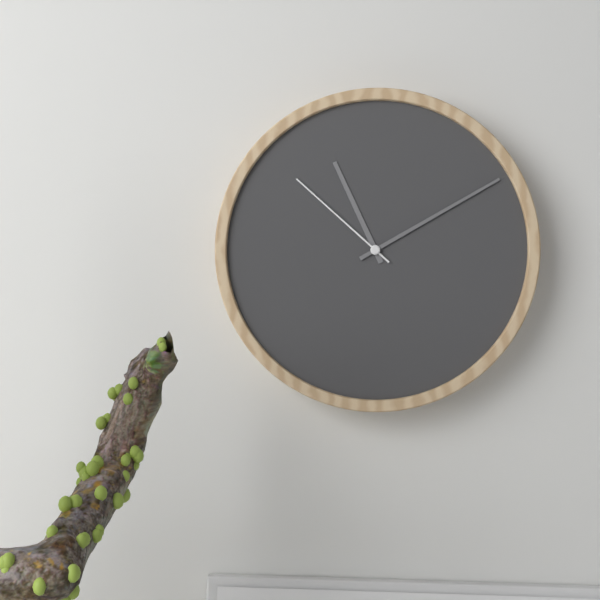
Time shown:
11.10.52
